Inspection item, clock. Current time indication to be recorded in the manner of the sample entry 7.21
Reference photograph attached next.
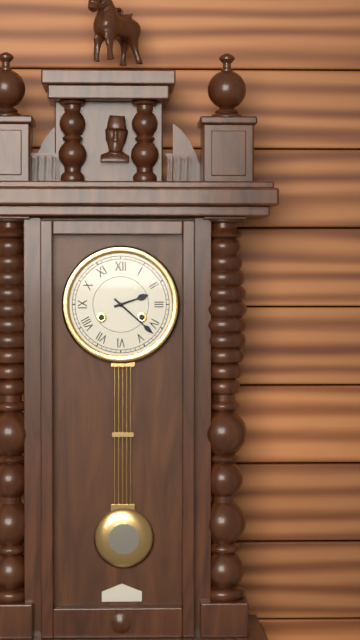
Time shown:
2.22
